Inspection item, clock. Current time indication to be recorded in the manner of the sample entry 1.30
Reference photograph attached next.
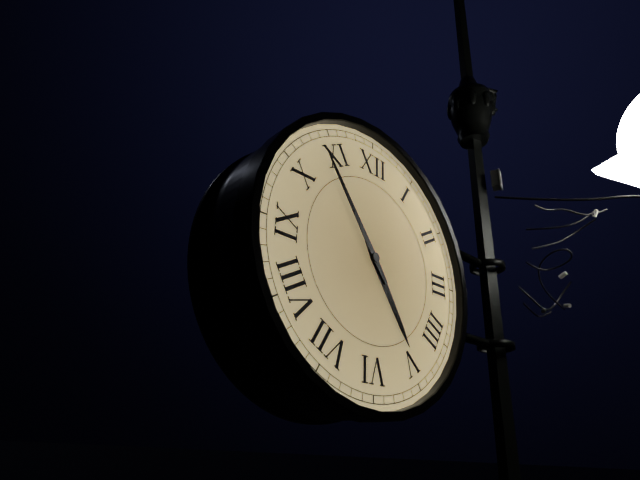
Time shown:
4.54
